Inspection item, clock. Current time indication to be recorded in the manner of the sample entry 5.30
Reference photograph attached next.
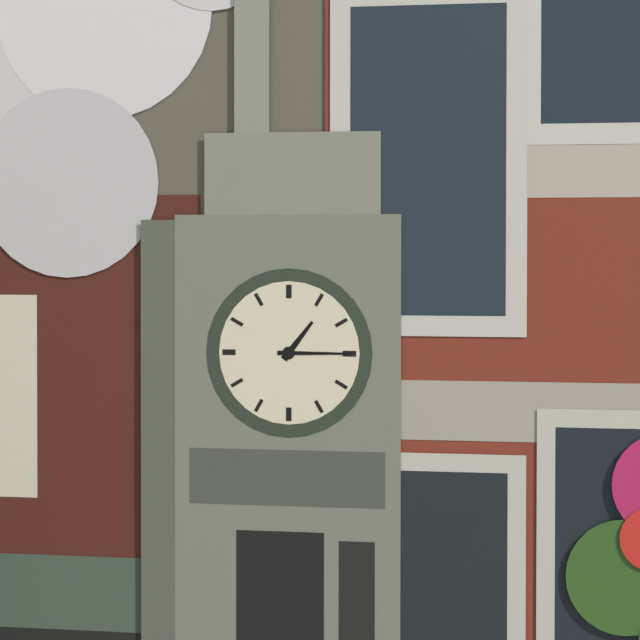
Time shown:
1.15
